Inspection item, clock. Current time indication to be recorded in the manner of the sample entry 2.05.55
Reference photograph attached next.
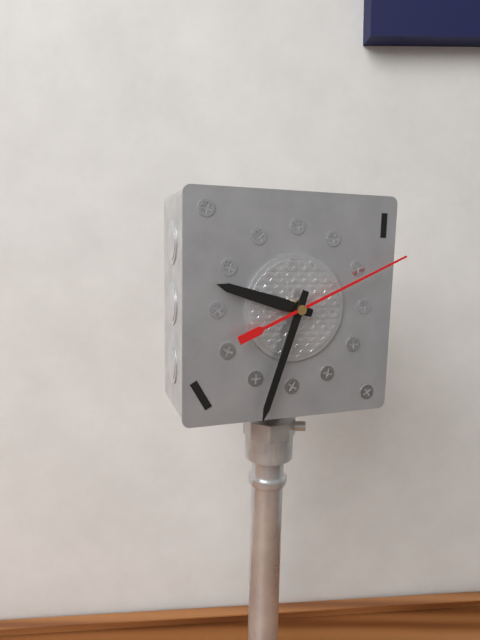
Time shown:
9.33.11
